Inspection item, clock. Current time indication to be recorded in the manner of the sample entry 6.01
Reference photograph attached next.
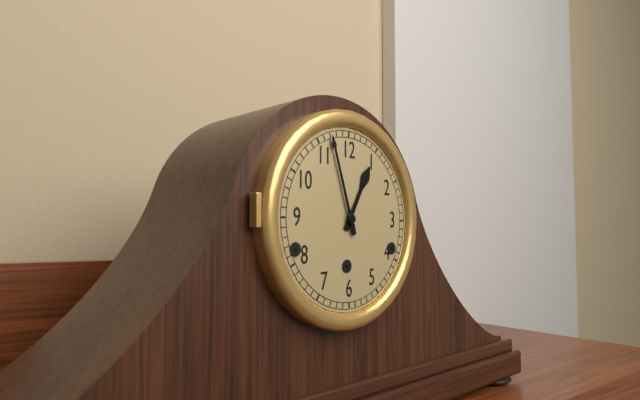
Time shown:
12.57
